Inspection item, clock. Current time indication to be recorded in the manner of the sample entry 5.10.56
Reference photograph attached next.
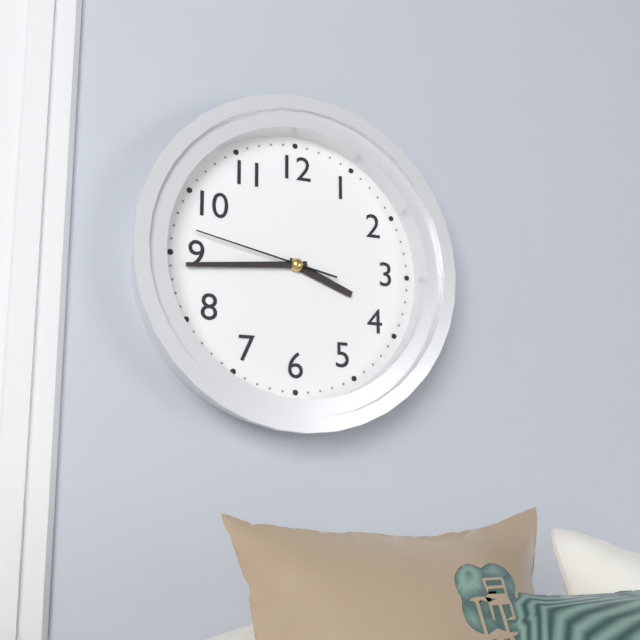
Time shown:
3.44.47
